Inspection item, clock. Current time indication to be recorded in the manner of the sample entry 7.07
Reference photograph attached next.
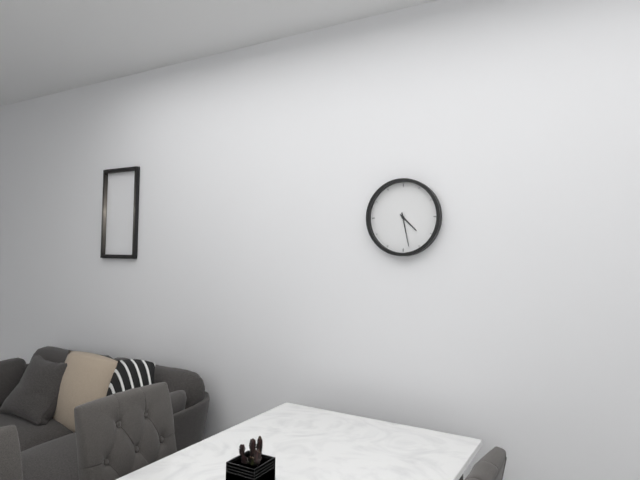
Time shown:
4.28
